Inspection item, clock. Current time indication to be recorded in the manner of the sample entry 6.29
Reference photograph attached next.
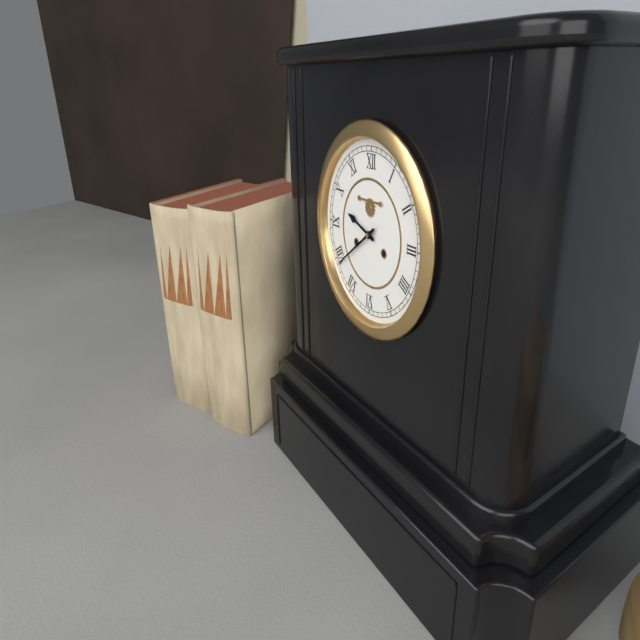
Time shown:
9.39
